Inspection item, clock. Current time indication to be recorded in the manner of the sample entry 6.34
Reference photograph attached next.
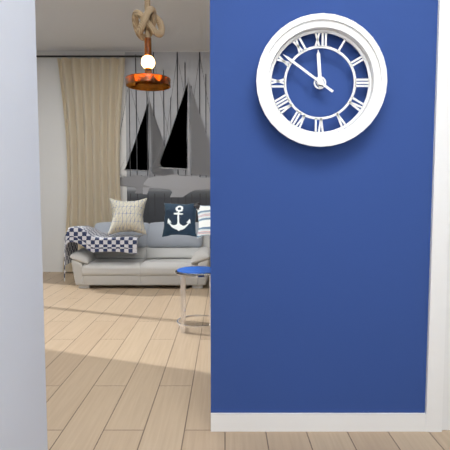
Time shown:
11.51
